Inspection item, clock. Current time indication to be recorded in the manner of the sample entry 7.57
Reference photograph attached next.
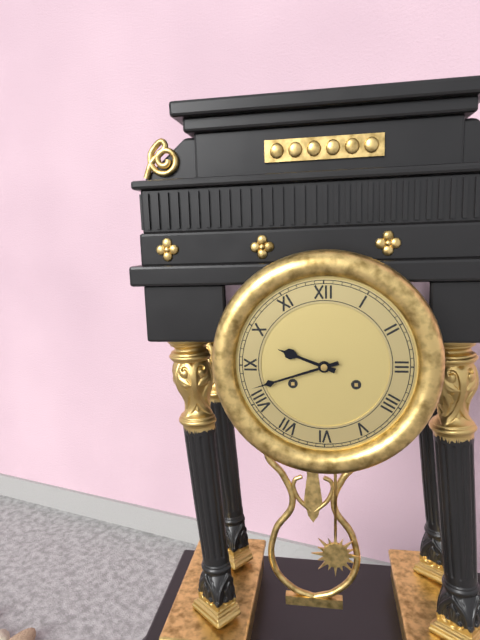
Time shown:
9.42
